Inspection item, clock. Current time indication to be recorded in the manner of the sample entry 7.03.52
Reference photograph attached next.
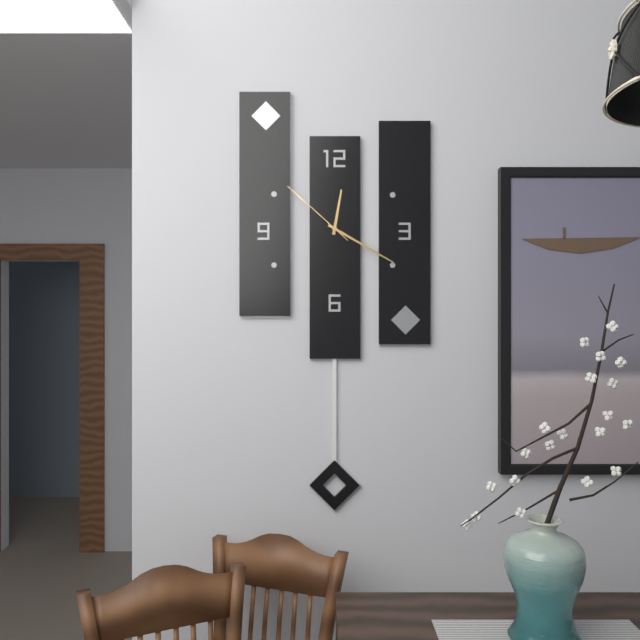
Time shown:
12.20.52
